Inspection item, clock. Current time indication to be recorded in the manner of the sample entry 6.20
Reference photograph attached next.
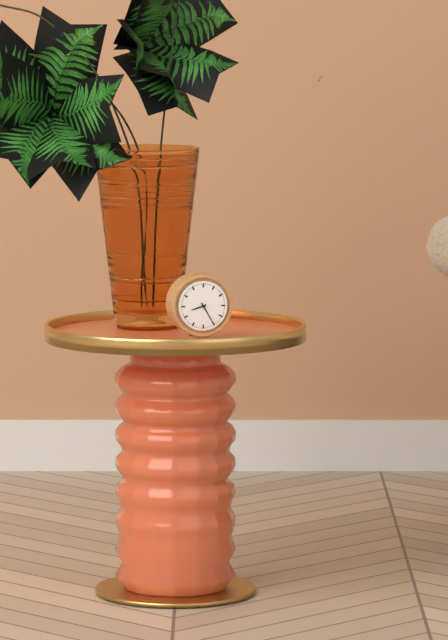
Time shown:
8.25
